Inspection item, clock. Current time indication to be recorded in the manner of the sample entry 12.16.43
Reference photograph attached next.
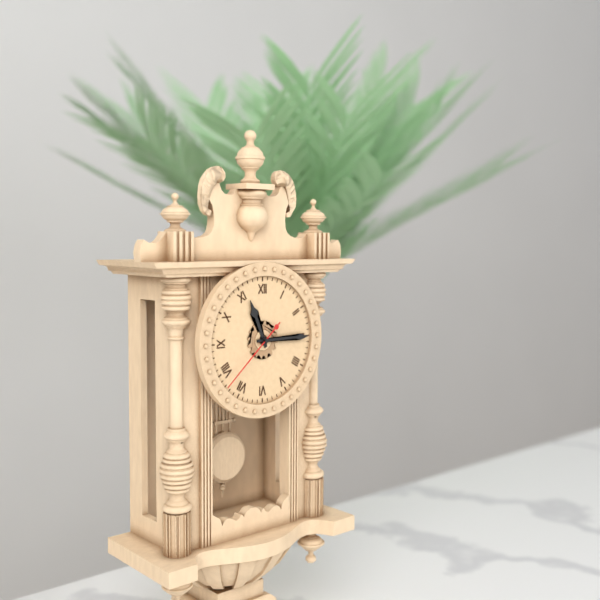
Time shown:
11.15.38
